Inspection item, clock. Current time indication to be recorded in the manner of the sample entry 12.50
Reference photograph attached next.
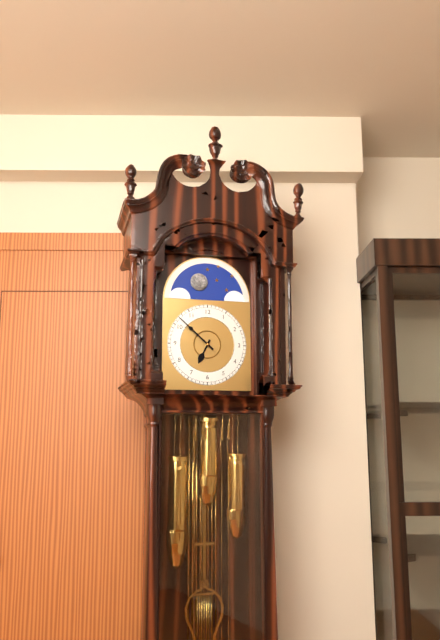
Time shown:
6.52
